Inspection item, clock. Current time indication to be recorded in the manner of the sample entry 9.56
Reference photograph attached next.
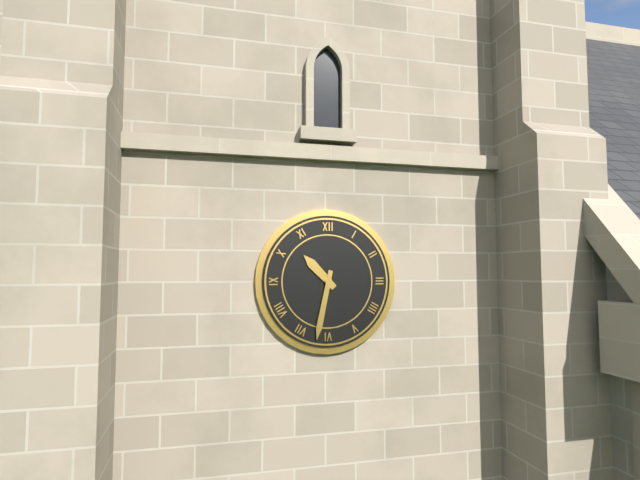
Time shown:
10.32
